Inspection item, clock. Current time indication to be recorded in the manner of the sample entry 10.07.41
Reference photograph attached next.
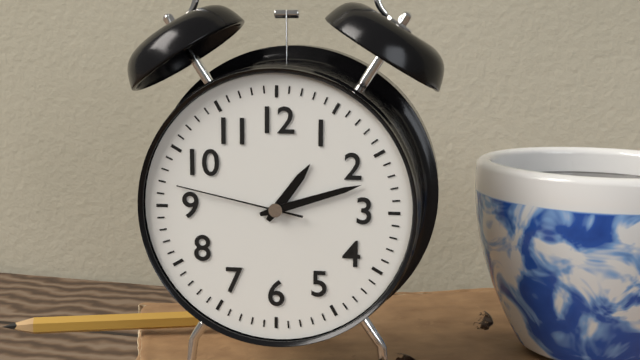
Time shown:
1.12.47
